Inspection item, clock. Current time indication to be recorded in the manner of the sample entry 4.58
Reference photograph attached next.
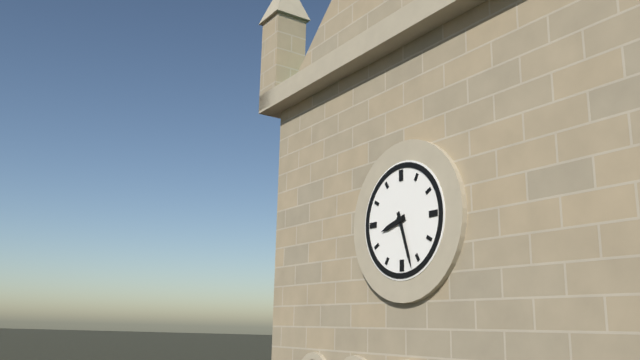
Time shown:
8.27
